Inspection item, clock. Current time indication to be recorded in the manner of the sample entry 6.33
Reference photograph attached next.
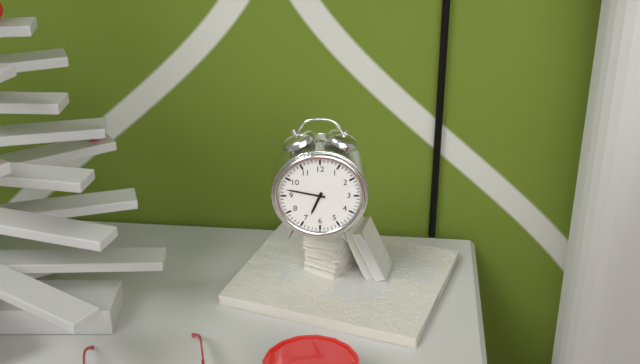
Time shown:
6.47
